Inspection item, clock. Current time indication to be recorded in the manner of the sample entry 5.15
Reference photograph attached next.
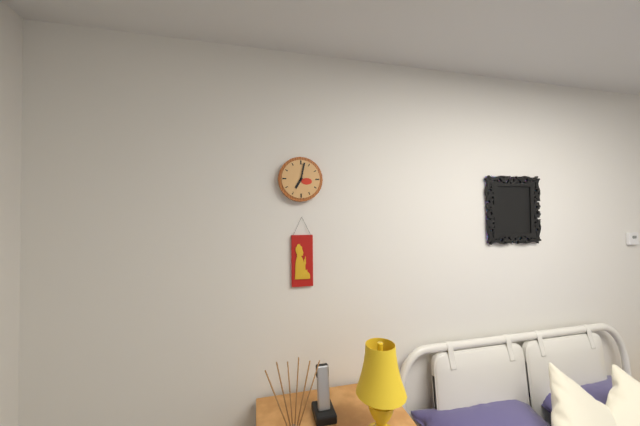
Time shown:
7.02
